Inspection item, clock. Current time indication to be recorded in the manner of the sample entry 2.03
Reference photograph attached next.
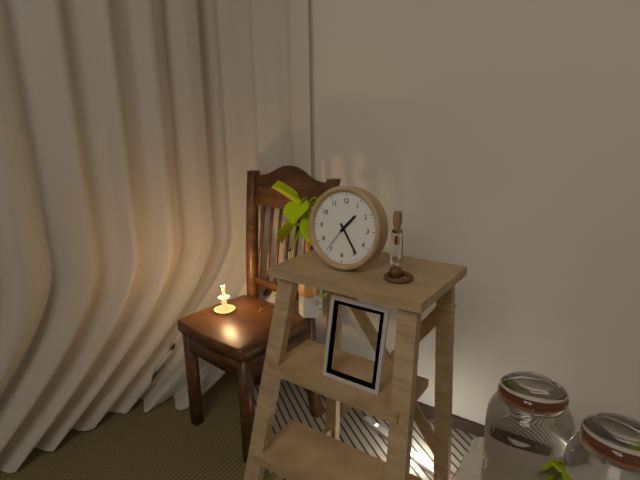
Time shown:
1.24
